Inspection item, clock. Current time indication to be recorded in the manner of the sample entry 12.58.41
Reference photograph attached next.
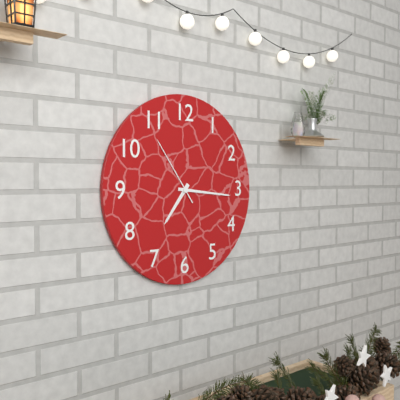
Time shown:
7.16.54
